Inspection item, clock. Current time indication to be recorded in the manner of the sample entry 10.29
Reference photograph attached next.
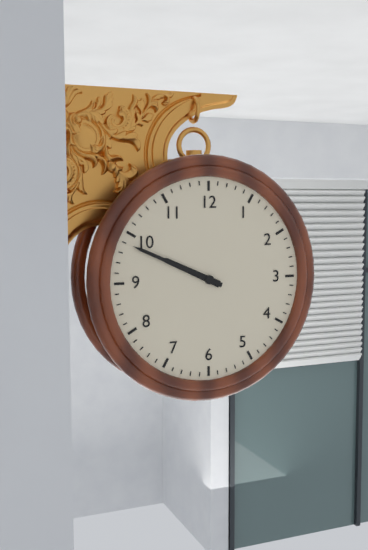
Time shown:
9.49
